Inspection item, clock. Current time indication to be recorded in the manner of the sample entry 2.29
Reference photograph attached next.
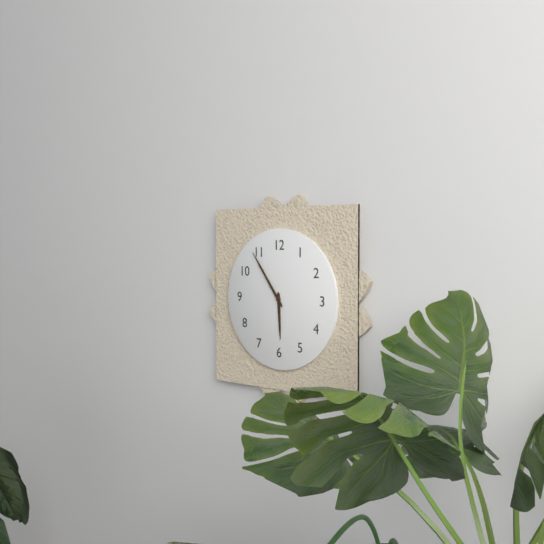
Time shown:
5.54
